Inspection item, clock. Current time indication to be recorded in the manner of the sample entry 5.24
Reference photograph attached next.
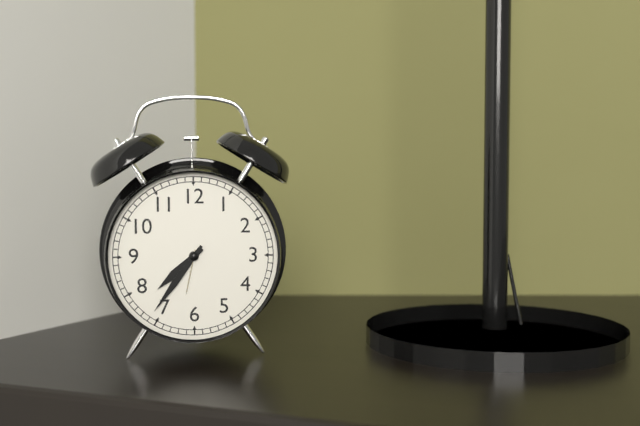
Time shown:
7.36
